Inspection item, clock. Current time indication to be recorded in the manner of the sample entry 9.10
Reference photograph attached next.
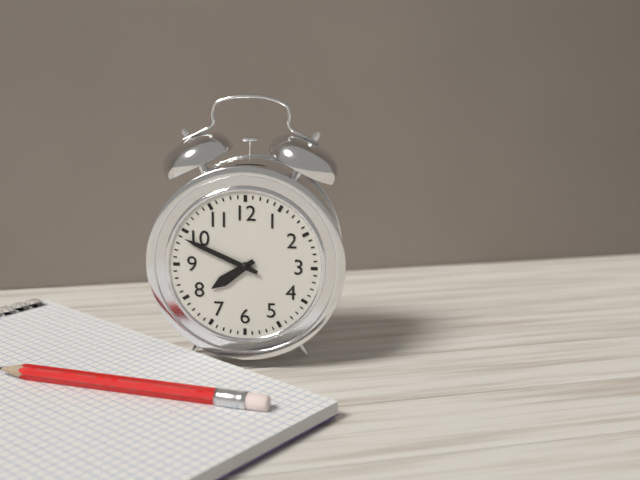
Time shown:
7.49
